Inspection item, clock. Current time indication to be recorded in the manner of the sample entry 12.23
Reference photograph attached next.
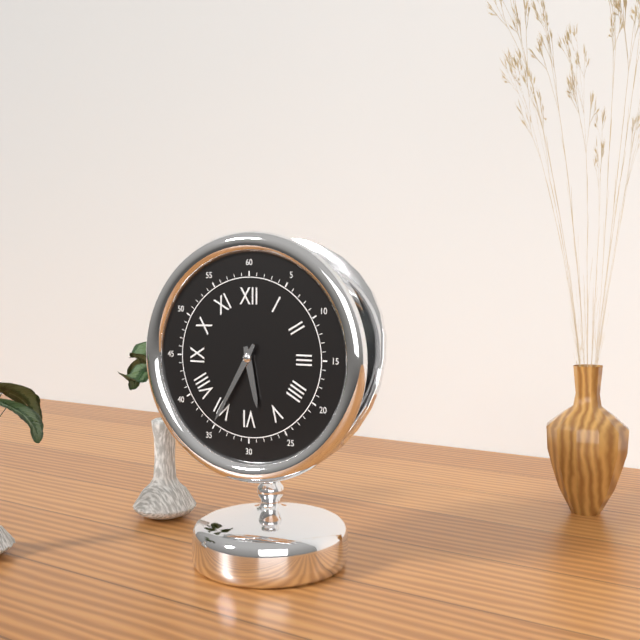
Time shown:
5.35
